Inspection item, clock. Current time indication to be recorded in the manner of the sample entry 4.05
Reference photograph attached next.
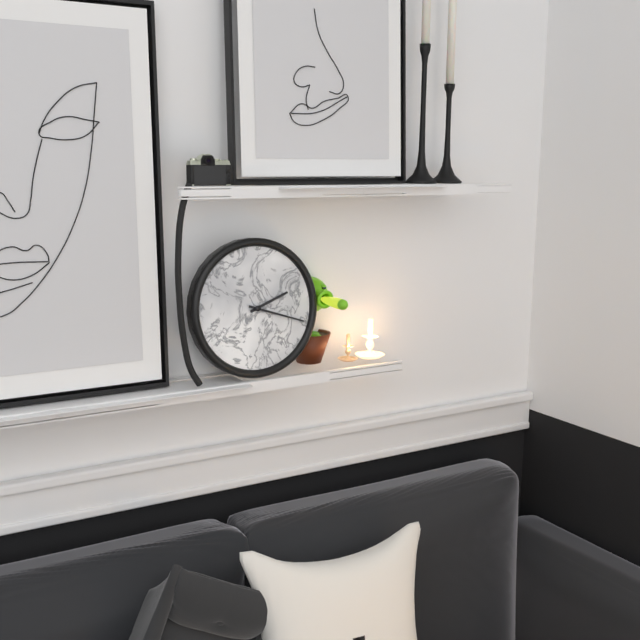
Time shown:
2.18
